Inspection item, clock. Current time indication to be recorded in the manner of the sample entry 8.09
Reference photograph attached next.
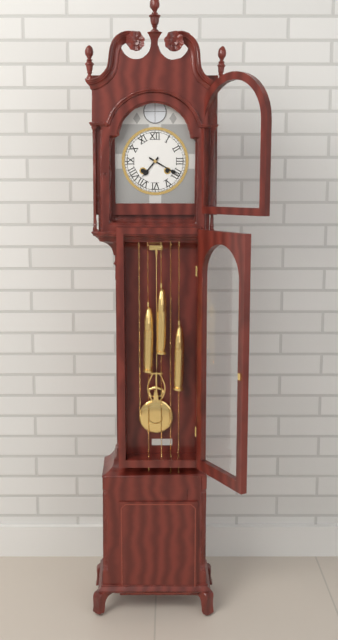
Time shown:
7.20
